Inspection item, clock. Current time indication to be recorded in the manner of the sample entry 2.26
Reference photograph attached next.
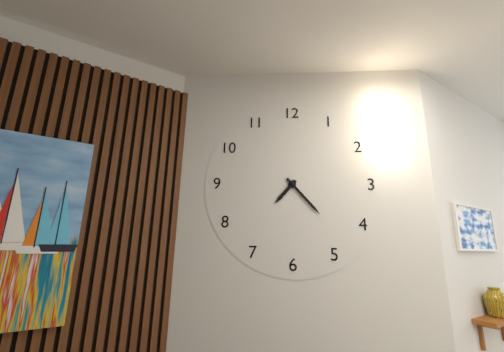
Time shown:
7.23
